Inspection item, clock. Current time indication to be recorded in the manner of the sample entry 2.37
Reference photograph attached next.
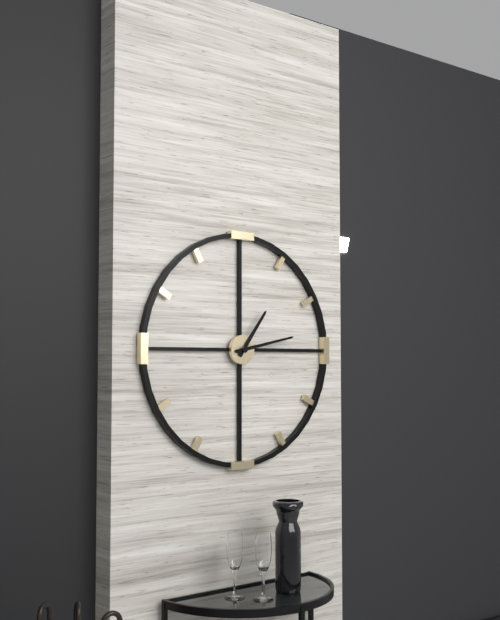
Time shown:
1.13
